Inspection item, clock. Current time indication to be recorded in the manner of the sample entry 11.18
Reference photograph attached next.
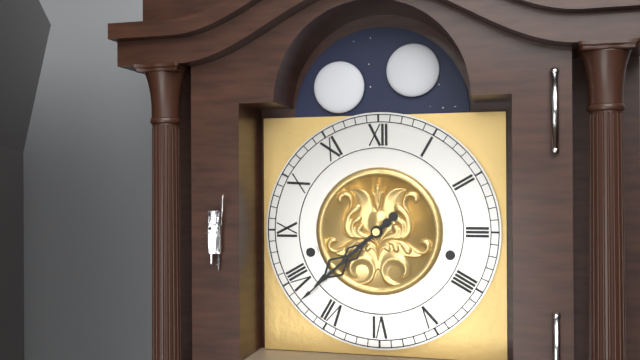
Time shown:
7.38
